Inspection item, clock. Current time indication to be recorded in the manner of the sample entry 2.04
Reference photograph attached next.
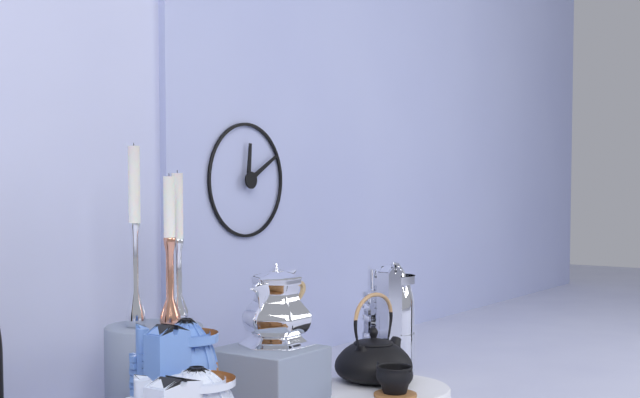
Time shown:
12.10
